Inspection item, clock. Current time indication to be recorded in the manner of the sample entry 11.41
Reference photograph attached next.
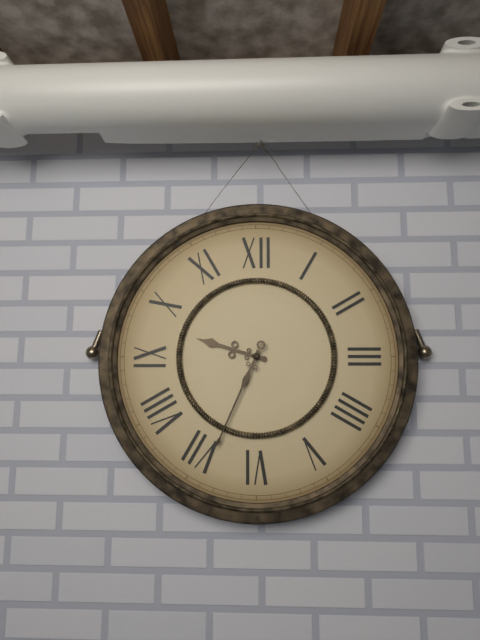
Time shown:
9.34
